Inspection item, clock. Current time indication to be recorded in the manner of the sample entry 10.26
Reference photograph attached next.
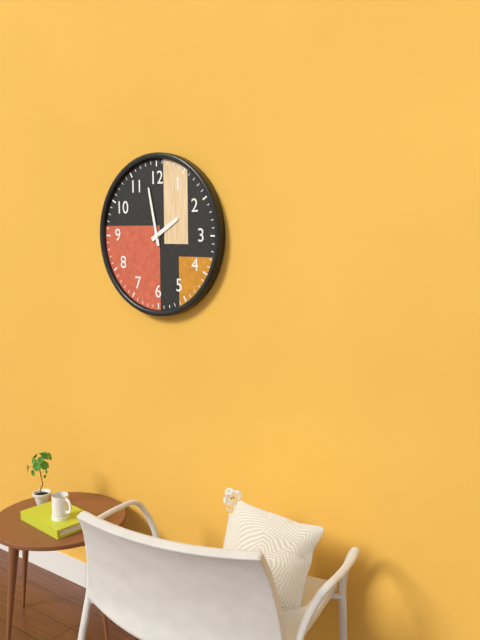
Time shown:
1.58
